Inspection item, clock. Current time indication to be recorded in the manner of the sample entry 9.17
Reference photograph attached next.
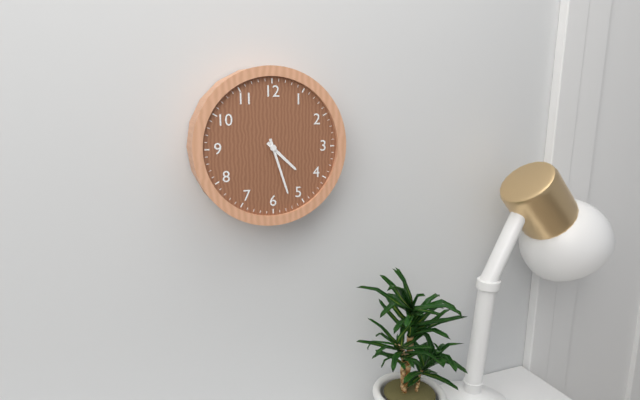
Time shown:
4.27
